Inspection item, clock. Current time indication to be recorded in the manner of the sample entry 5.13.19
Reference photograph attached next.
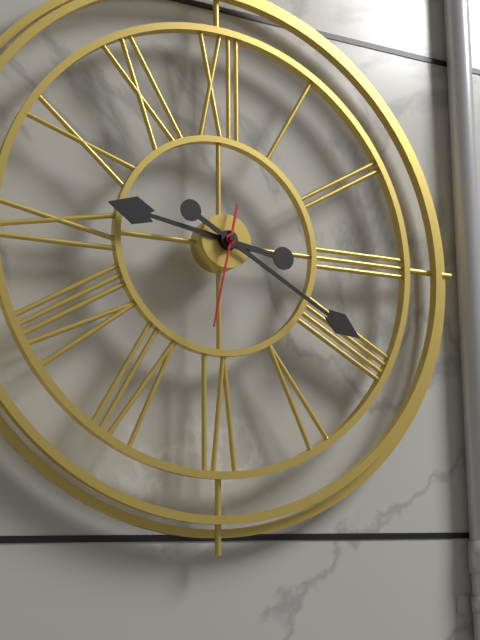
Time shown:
9.20.32
